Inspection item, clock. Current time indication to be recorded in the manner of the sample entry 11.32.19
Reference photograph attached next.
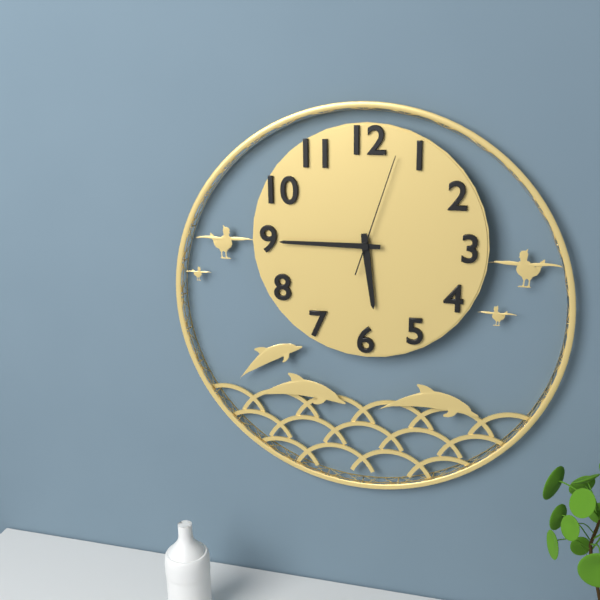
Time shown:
5.45.03
